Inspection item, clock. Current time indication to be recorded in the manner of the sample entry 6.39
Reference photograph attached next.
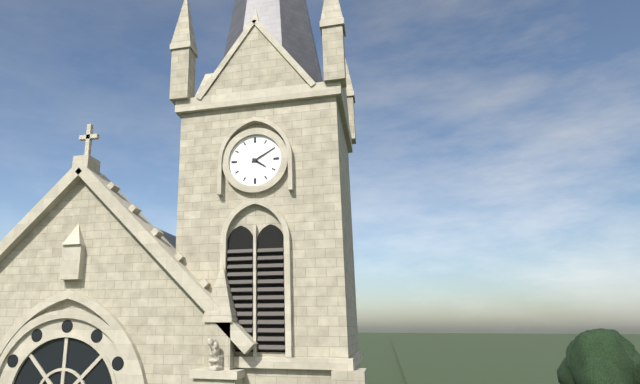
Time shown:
4.10
